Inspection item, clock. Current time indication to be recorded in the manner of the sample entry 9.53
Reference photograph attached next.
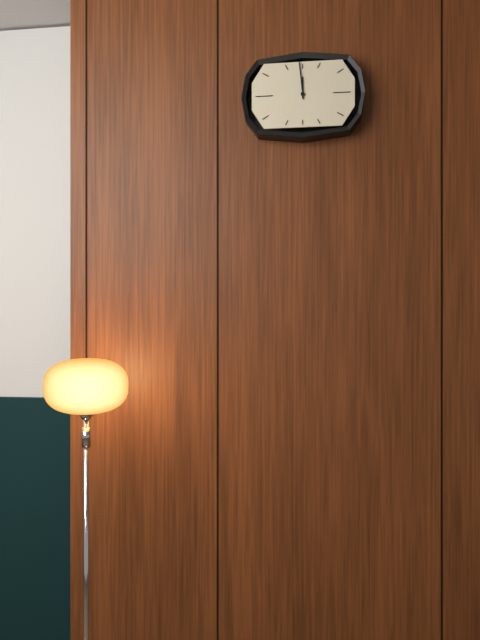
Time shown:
11.59
